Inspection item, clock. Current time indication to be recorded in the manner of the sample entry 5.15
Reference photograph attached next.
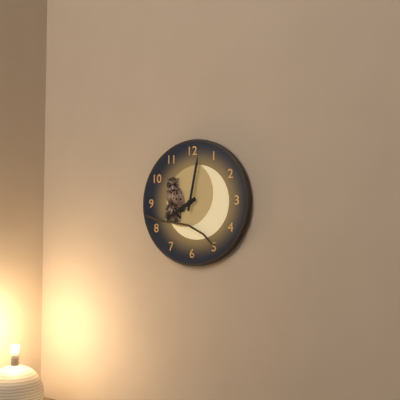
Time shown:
8.02
